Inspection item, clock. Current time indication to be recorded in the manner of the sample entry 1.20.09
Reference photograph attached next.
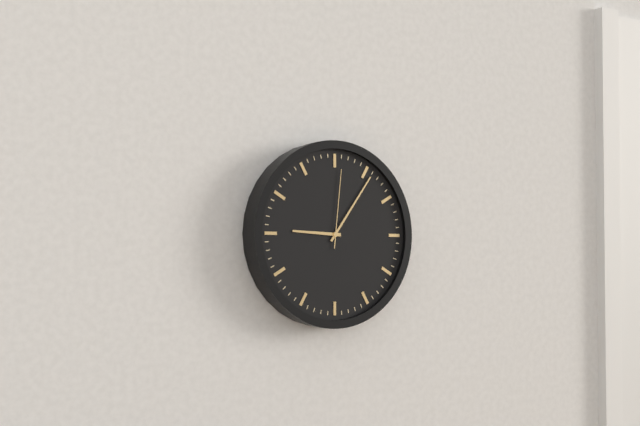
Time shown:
9.06.01
